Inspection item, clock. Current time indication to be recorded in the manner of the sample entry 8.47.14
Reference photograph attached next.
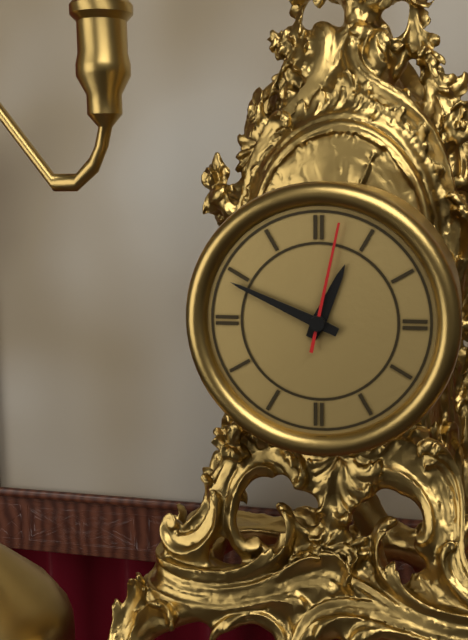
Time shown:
12.49.02
